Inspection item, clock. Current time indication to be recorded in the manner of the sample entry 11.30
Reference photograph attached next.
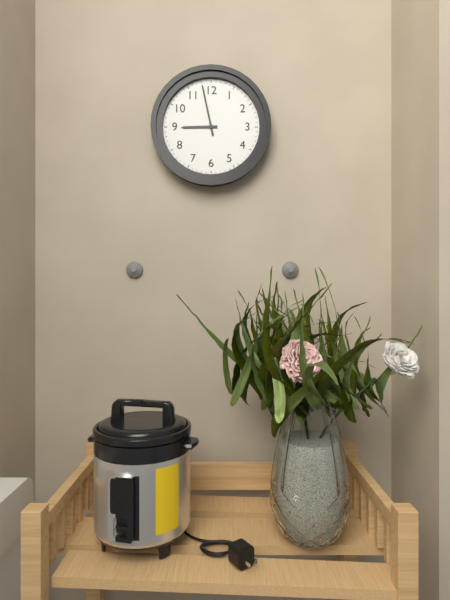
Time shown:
8.58
